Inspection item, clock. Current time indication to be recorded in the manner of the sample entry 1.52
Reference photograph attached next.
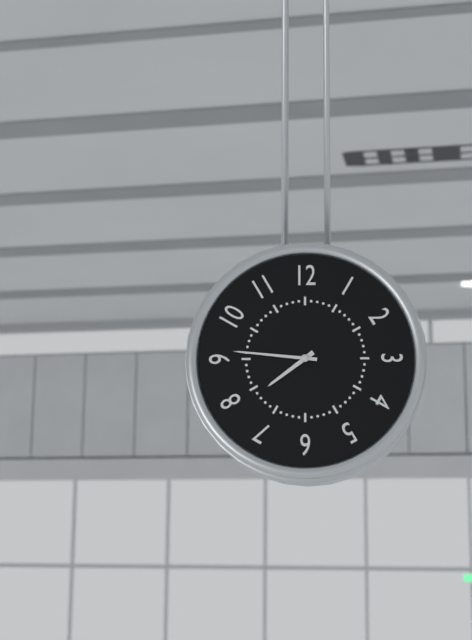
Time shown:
7.46
